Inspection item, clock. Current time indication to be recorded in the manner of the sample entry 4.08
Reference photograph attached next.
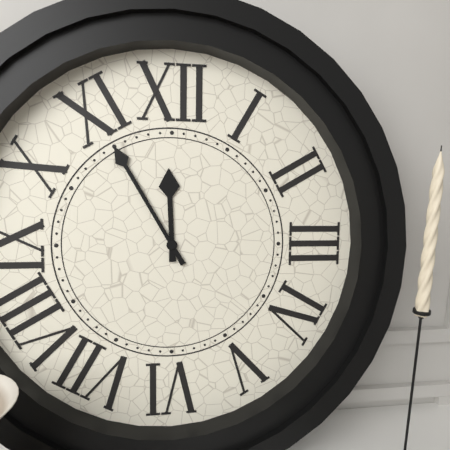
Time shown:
11.55
